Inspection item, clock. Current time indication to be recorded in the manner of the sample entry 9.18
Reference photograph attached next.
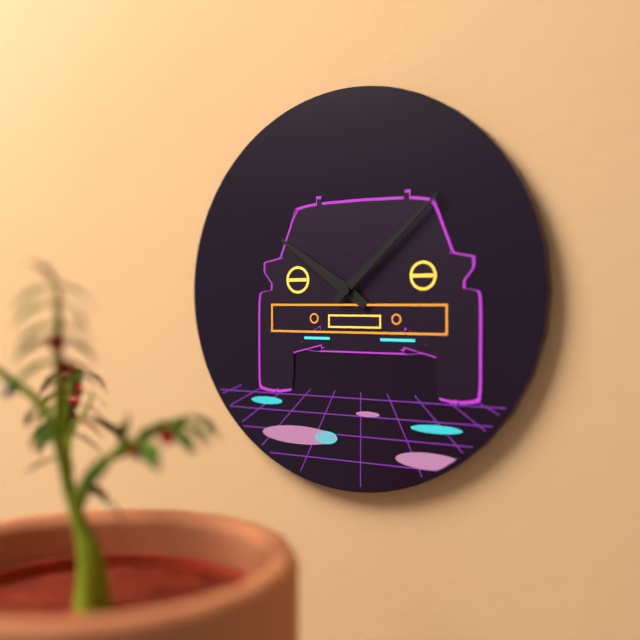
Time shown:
10.08
